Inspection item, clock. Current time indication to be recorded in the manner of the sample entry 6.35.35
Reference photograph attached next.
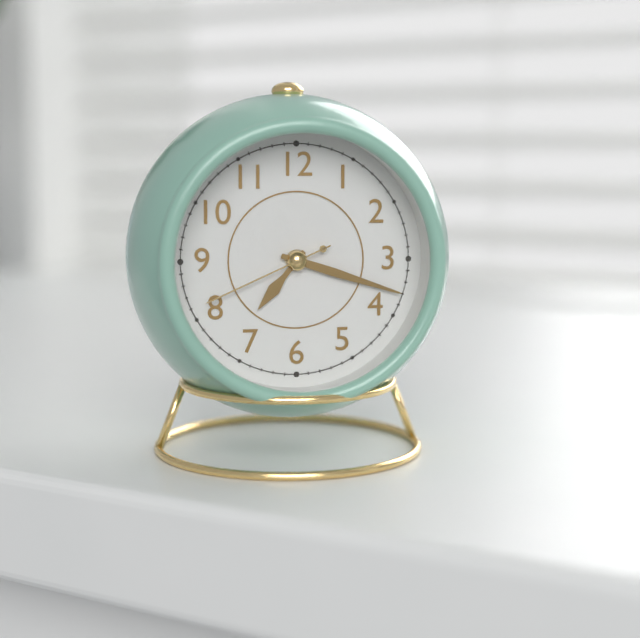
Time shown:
7.18.41
